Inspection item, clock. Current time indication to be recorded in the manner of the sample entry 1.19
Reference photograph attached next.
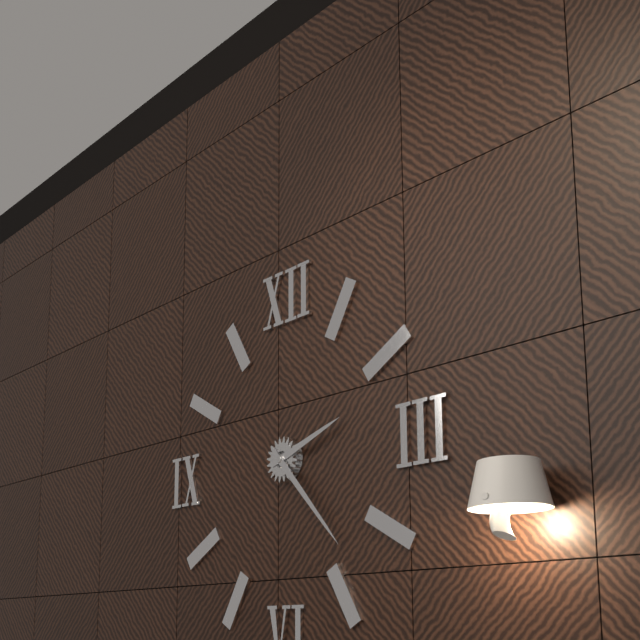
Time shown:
2.23
